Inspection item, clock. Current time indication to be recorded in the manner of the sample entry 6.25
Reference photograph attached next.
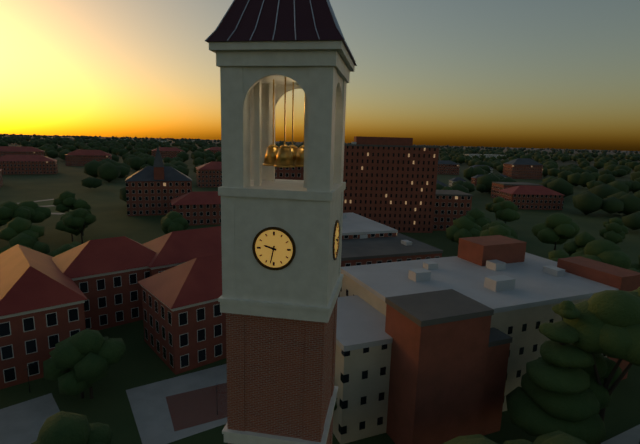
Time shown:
9.32
